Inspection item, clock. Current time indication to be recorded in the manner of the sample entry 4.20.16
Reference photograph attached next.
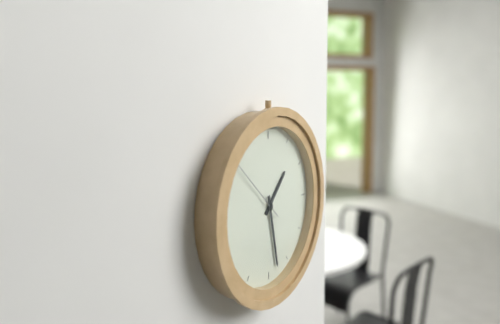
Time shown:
1.28.52
